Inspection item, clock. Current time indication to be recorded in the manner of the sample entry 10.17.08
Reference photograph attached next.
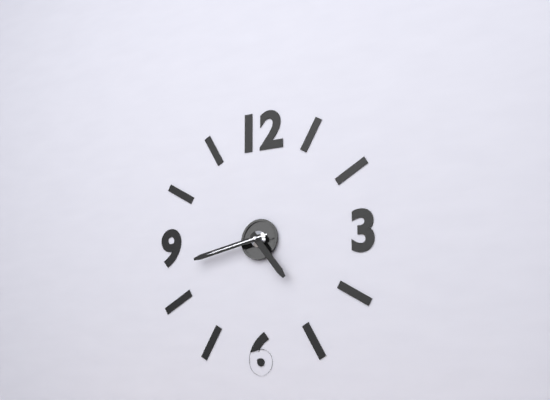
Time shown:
4.43.43
